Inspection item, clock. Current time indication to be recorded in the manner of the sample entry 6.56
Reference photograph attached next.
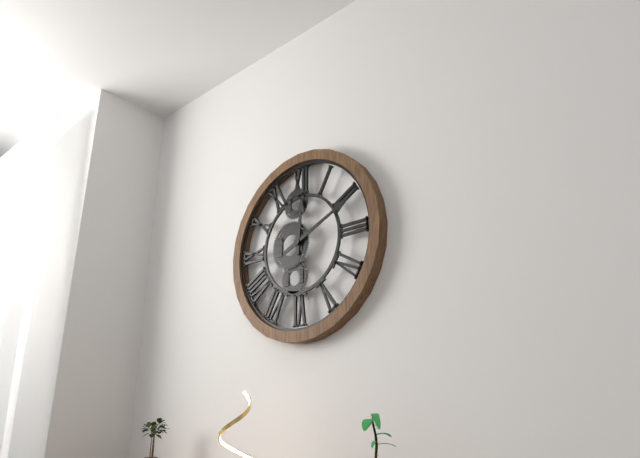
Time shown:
12.11
